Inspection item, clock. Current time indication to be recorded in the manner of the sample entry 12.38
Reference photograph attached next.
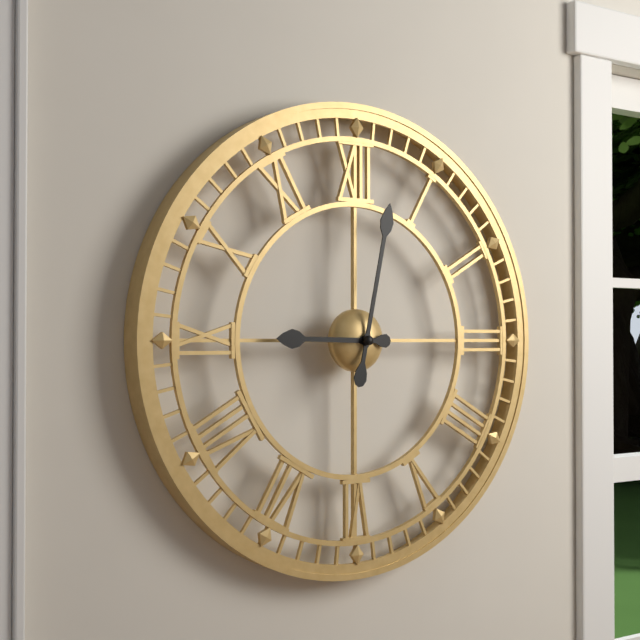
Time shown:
9.02
